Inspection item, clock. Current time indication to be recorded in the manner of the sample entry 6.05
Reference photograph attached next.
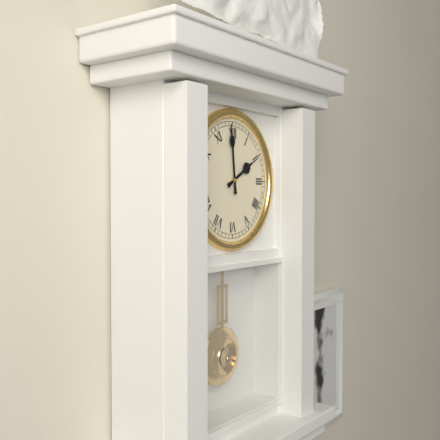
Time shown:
1.59
